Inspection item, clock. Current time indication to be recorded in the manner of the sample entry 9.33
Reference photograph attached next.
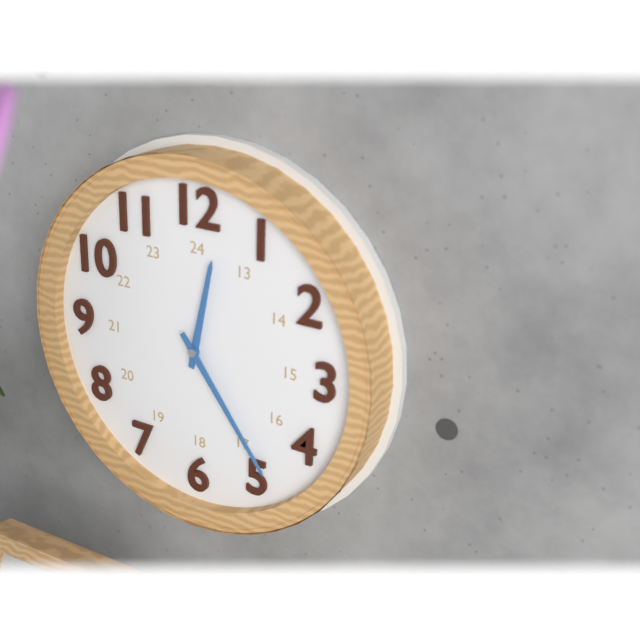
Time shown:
12.24
